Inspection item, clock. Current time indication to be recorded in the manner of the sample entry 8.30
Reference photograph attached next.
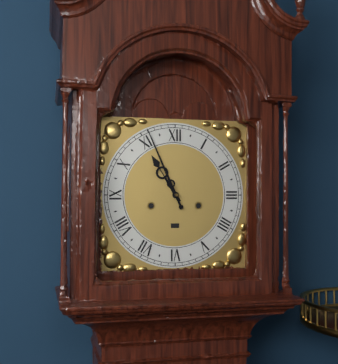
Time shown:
10.56
